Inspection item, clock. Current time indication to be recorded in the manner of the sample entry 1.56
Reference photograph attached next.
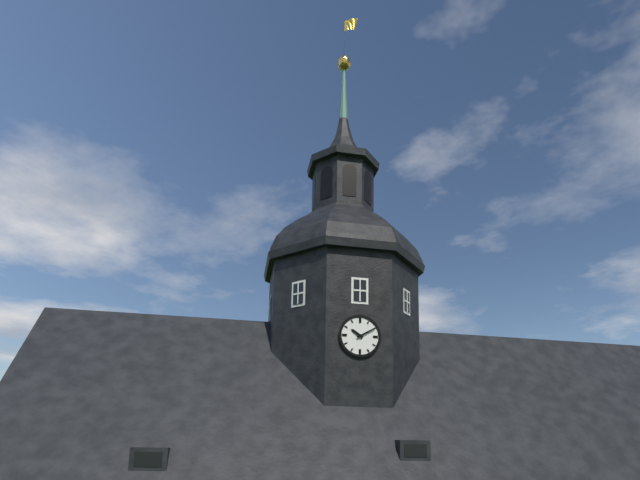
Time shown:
10.10
